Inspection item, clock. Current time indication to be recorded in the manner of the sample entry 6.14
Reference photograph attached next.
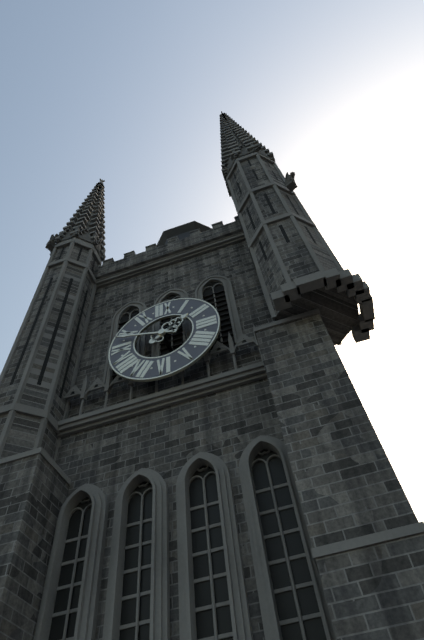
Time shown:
1.48
